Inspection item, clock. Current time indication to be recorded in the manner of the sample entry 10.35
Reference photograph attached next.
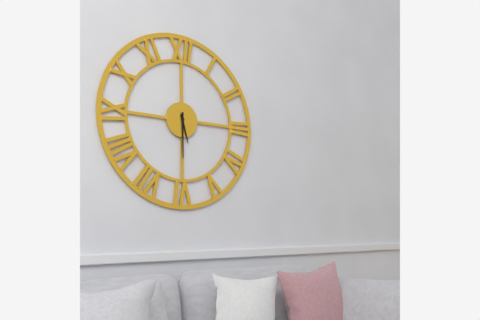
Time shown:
5.30
